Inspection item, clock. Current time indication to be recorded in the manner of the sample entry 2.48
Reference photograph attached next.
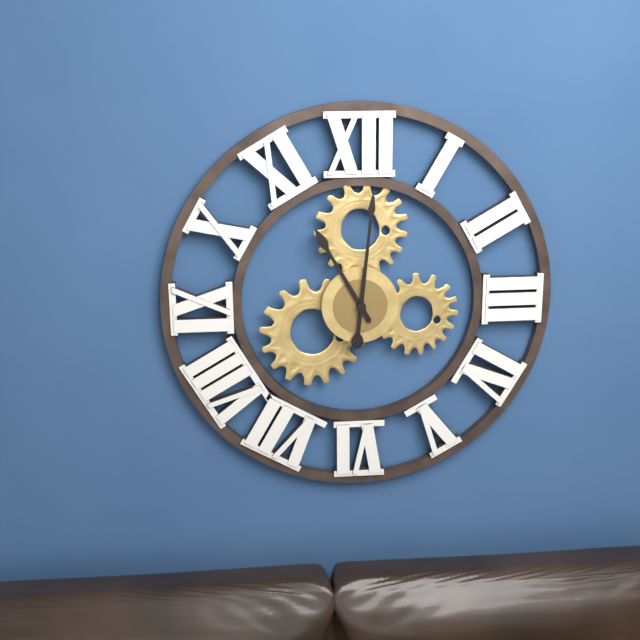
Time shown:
11.01
